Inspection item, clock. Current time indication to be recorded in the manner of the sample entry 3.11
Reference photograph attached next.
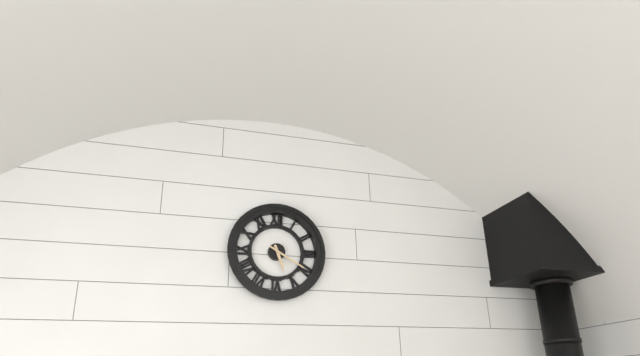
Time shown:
5.20
